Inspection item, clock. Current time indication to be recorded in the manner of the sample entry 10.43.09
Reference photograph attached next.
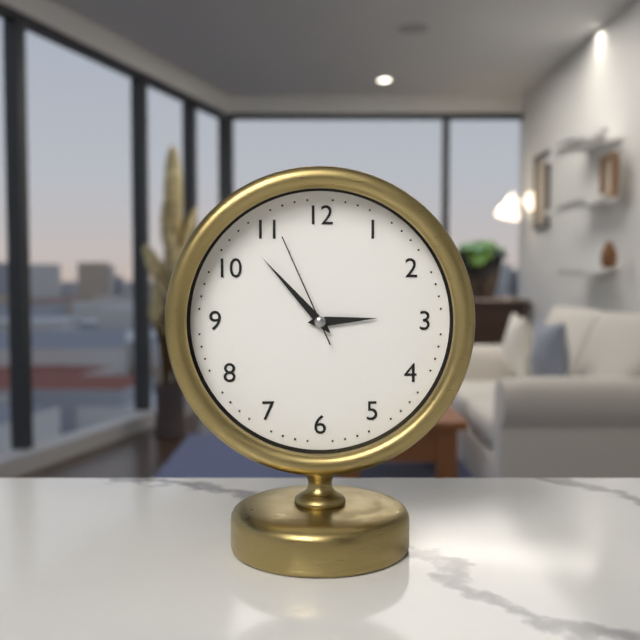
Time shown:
2.53.56
